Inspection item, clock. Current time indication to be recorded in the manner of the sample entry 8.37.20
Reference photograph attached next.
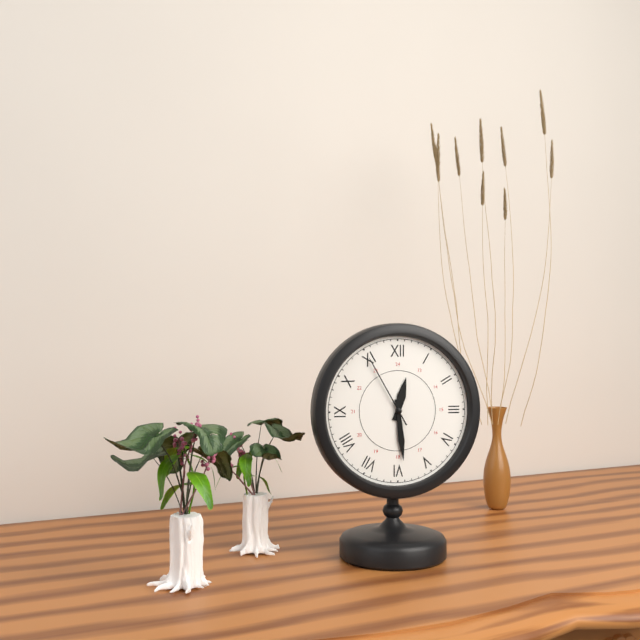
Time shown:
12.29.55
